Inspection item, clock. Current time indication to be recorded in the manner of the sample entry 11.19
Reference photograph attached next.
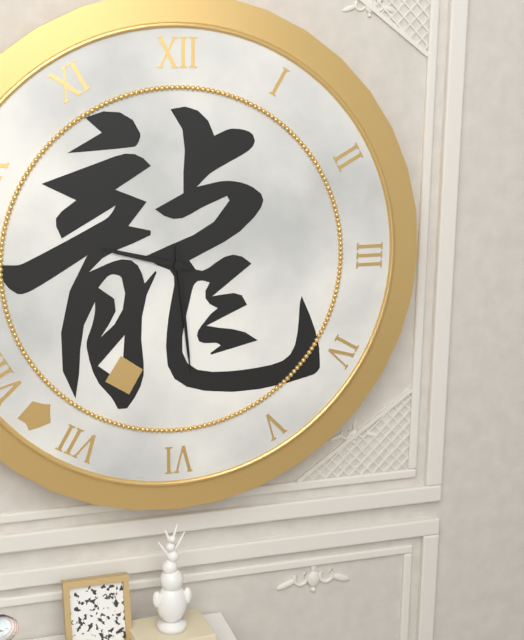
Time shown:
9.29
